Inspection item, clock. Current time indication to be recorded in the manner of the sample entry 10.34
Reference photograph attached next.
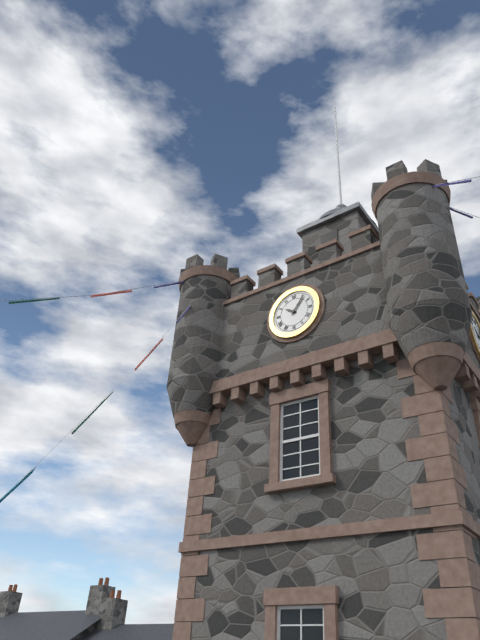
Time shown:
10.06
